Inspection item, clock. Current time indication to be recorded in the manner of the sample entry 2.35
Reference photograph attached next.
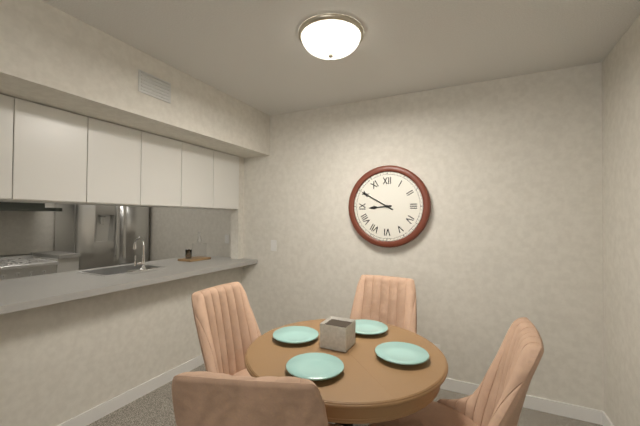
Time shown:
8.50
